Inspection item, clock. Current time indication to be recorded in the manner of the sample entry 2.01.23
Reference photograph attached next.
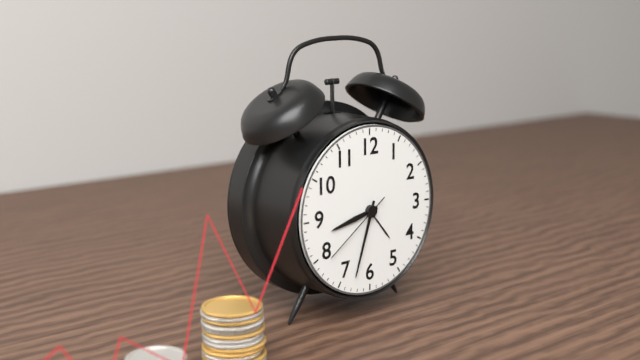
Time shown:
8.33.39
